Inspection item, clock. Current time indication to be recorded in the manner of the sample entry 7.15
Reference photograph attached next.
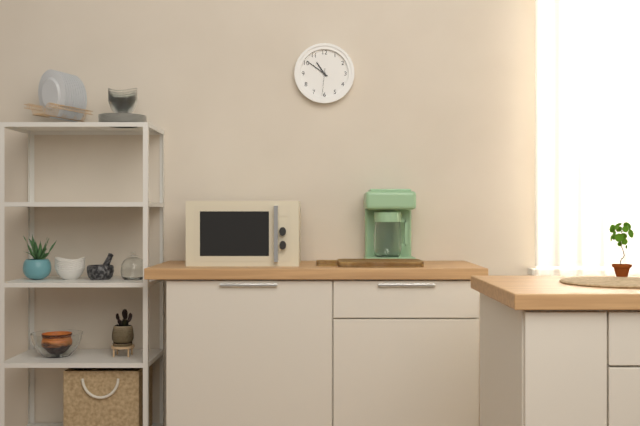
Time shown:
10.51
